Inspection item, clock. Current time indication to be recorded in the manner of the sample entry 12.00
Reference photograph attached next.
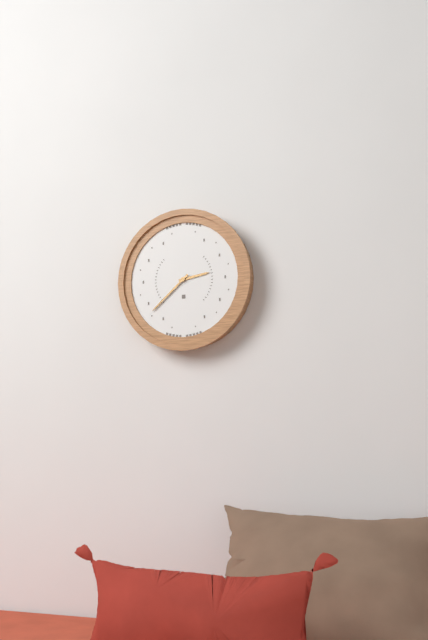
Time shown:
2.38
